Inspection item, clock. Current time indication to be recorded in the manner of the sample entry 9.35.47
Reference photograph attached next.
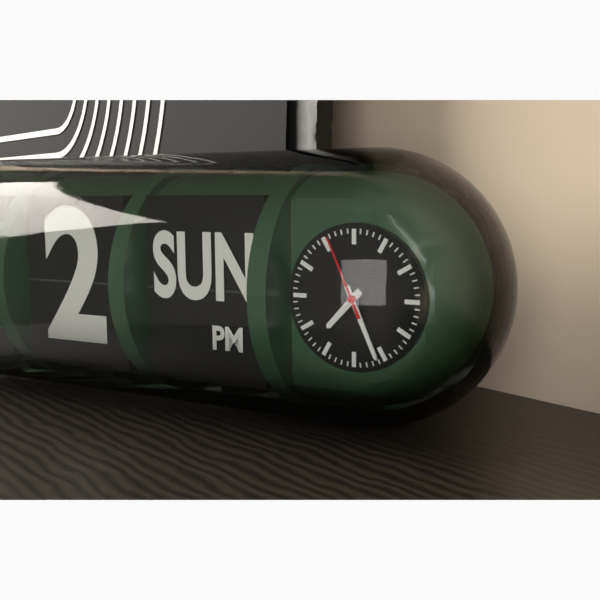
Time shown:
7.26.56
